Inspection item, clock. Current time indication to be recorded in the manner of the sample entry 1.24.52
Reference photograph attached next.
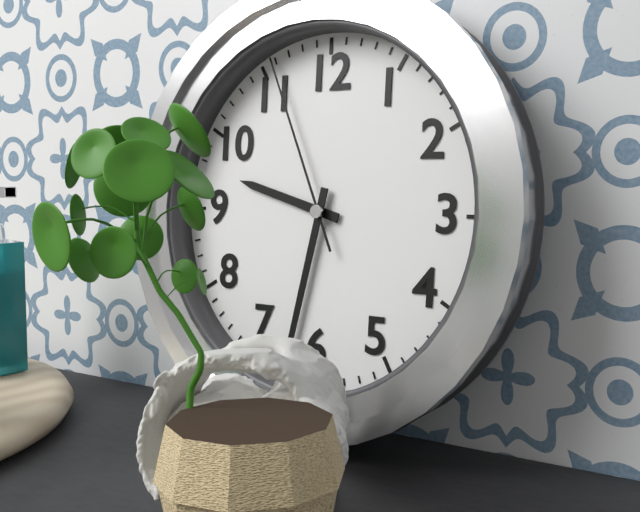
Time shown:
9.32.56
